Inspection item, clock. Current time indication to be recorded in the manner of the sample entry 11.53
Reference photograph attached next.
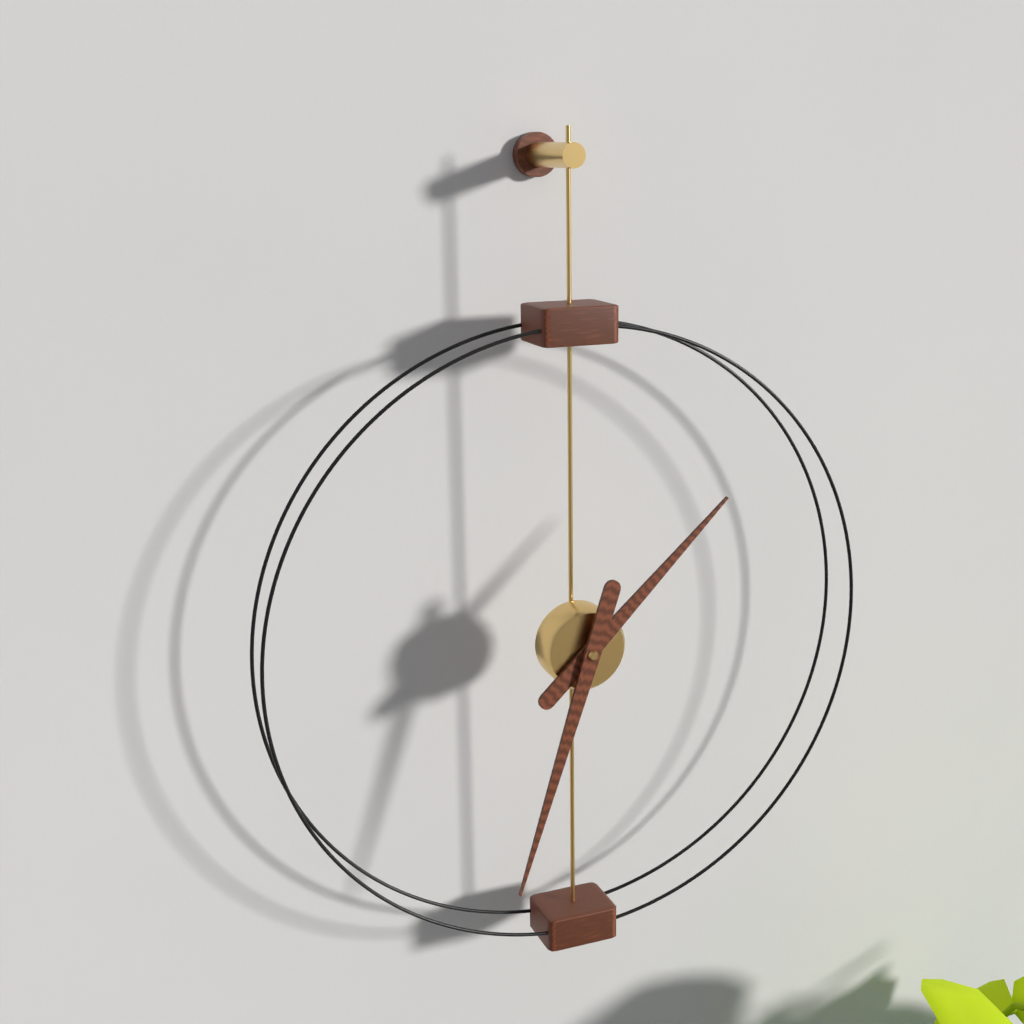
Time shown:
1.33
